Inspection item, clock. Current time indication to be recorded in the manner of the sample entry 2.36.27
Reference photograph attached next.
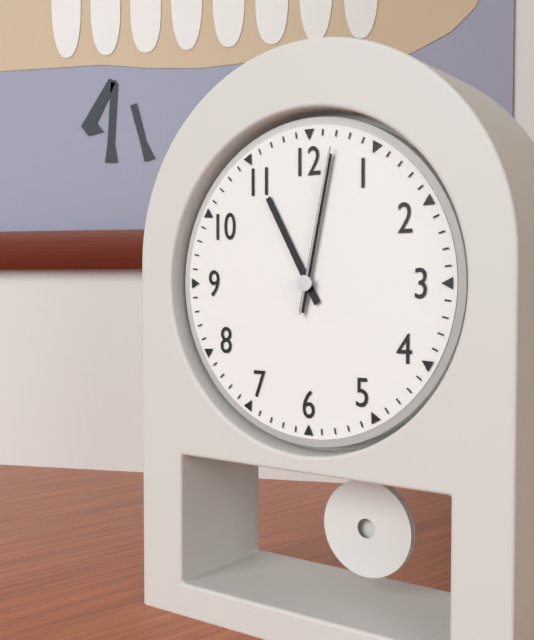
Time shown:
11.02.02
